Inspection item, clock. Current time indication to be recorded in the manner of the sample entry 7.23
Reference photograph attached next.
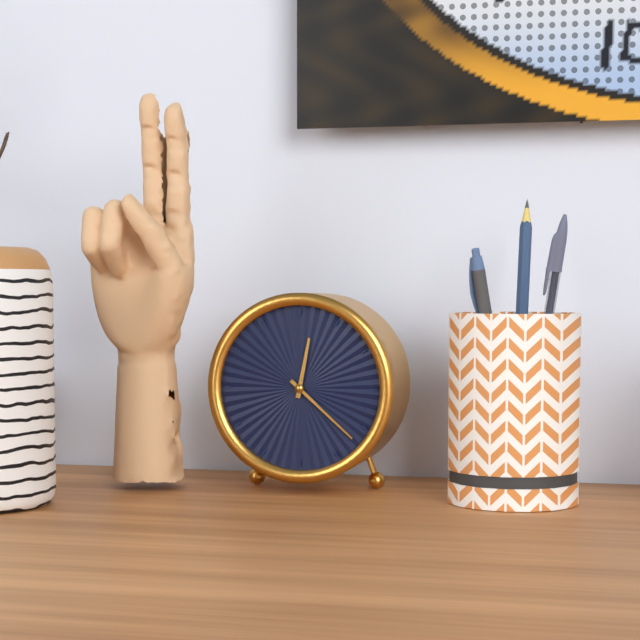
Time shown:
12.22
